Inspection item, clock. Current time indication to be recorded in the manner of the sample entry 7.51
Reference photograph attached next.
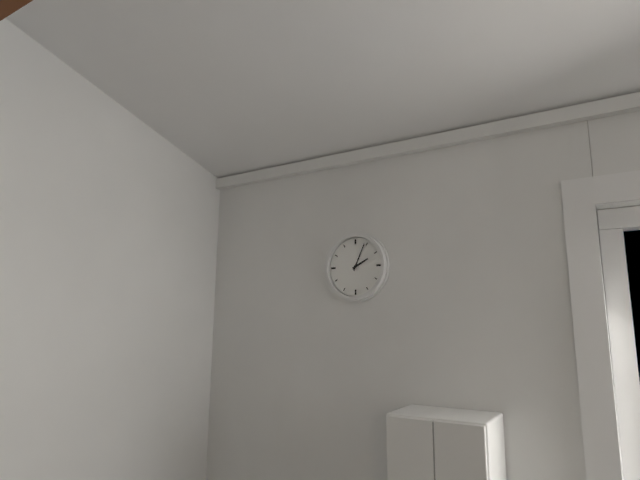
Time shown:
2.04
